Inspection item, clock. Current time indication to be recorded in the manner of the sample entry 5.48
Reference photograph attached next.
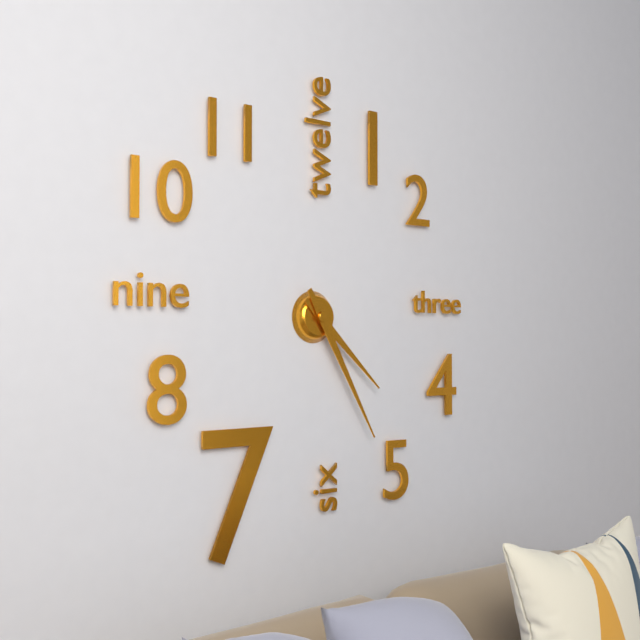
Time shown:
4.25
